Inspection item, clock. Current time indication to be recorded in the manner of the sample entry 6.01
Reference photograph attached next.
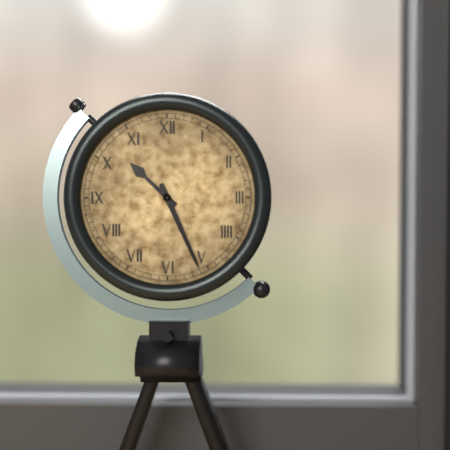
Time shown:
10.26
